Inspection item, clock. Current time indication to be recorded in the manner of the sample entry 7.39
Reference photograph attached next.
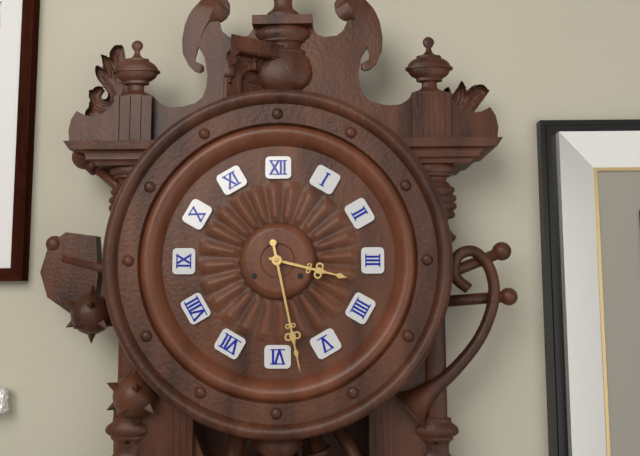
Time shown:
3.28
